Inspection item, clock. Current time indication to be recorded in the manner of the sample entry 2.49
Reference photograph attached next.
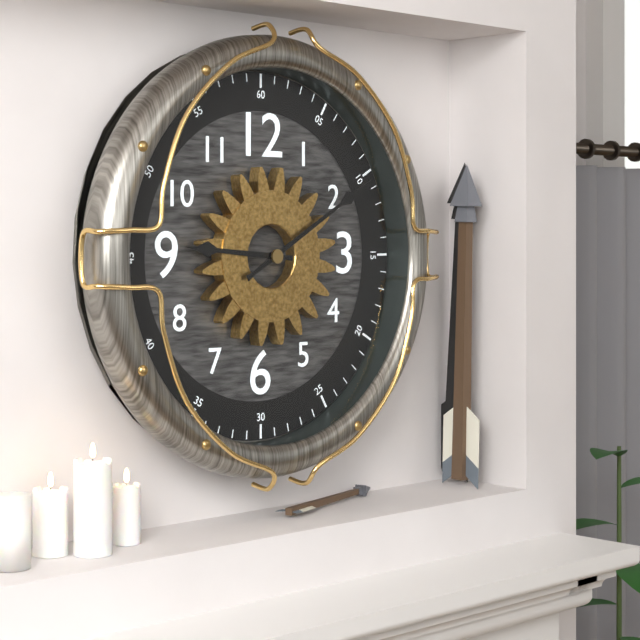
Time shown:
9.10
